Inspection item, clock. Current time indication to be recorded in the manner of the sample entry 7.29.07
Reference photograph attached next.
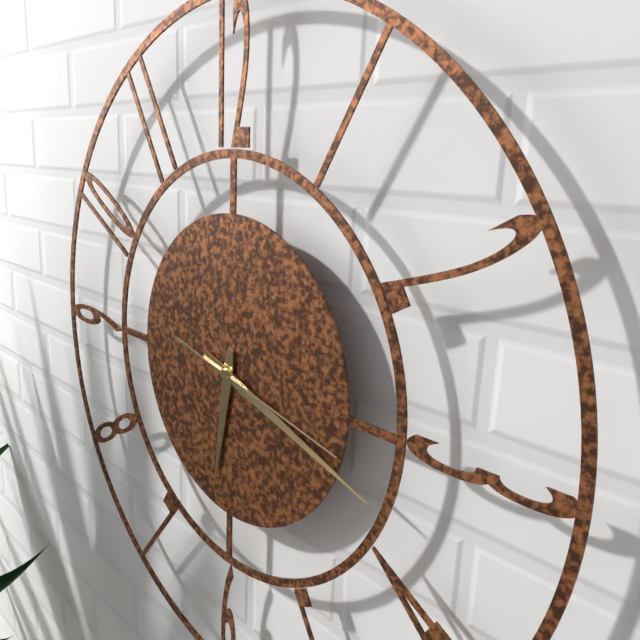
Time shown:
6.18.17
